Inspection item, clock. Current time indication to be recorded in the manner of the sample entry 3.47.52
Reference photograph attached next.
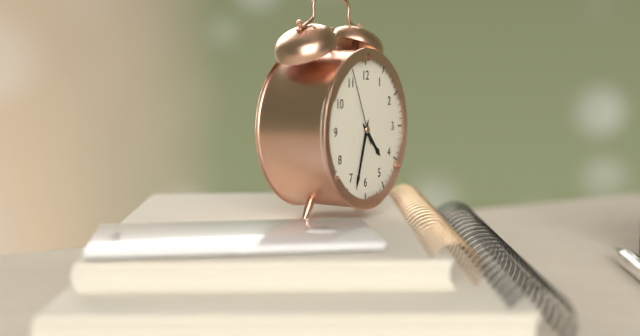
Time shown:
4.33.56
